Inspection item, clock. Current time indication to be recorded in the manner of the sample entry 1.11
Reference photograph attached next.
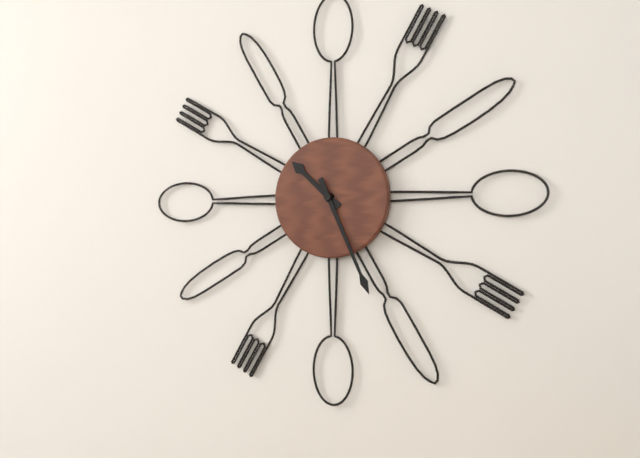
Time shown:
10.26
